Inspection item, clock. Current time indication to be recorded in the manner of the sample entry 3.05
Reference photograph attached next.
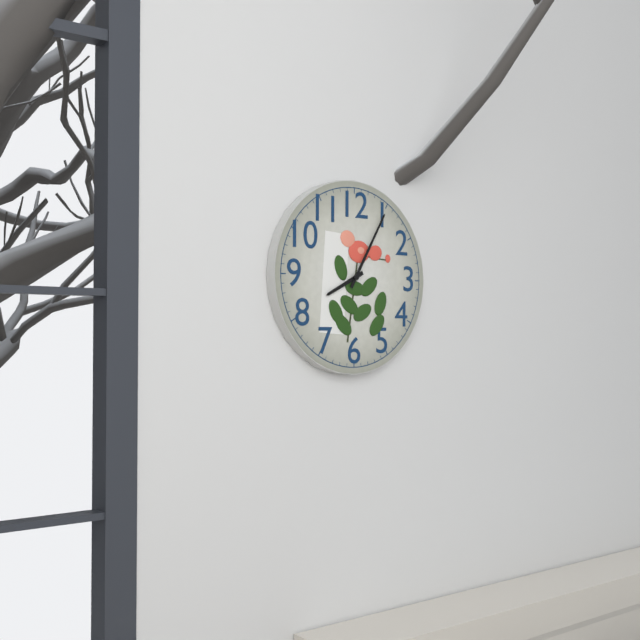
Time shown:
8.05
